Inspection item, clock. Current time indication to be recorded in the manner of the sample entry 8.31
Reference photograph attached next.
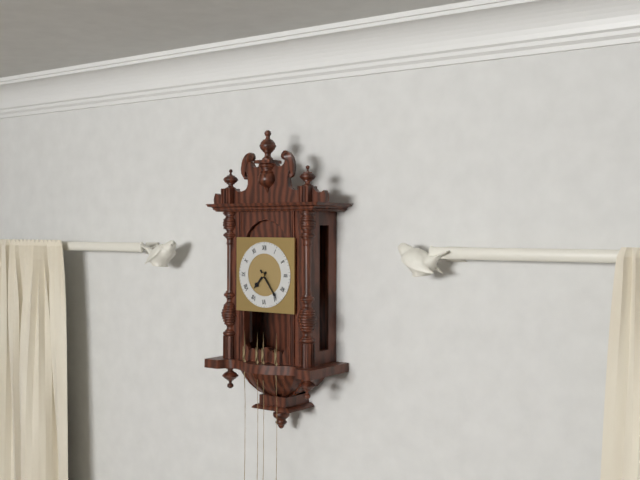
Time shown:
7.24
